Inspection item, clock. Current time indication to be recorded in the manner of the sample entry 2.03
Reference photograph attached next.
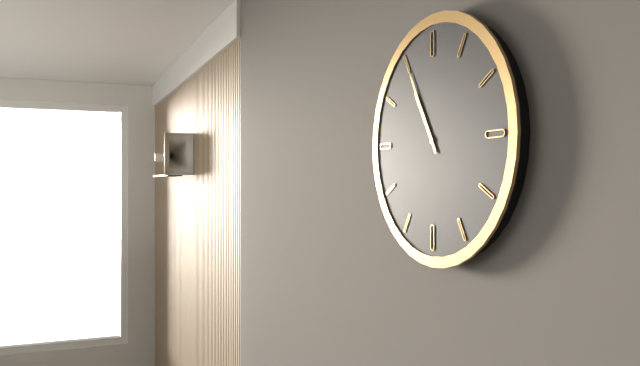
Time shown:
10.55
